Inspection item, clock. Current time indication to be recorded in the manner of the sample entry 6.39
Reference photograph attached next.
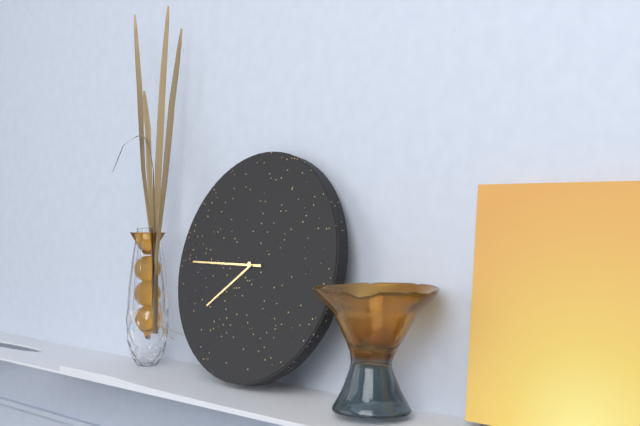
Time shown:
7.45
